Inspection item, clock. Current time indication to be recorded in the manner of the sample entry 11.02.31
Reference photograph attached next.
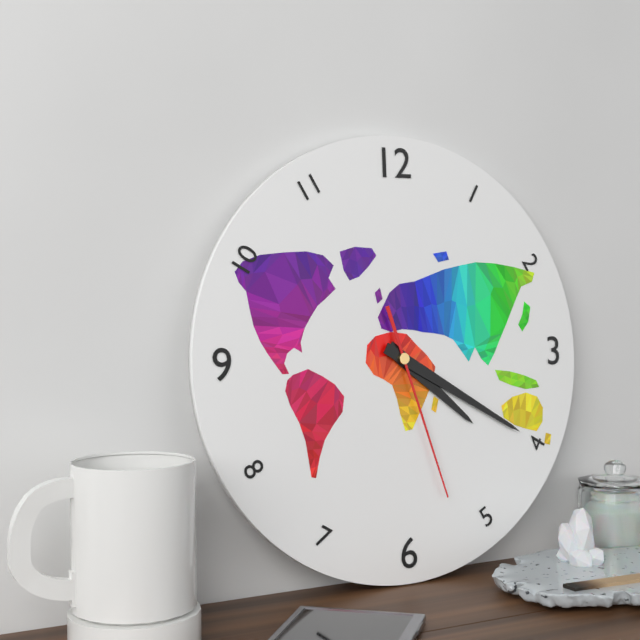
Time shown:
4.20.27
